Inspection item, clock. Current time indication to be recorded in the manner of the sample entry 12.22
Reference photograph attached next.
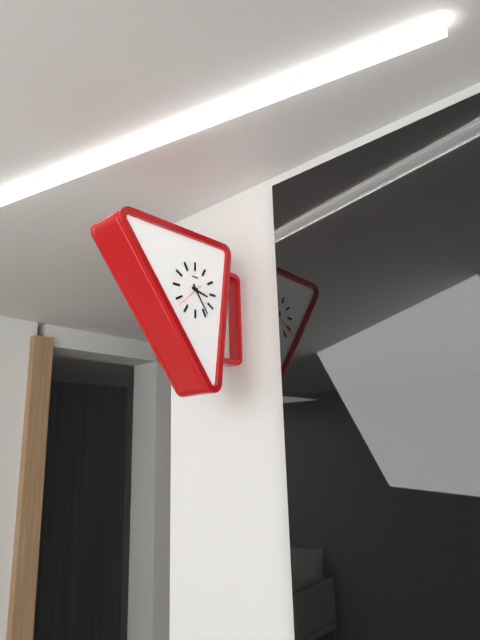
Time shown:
3.24
